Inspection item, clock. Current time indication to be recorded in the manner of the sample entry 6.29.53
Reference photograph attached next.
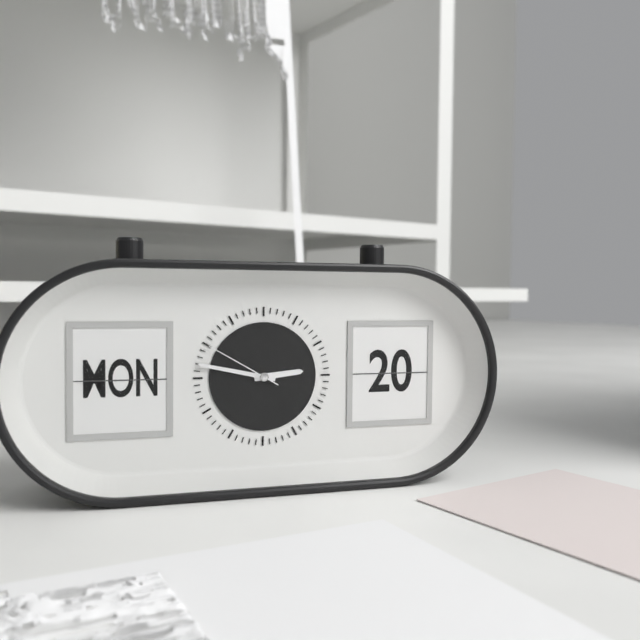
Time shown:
2.47.50
